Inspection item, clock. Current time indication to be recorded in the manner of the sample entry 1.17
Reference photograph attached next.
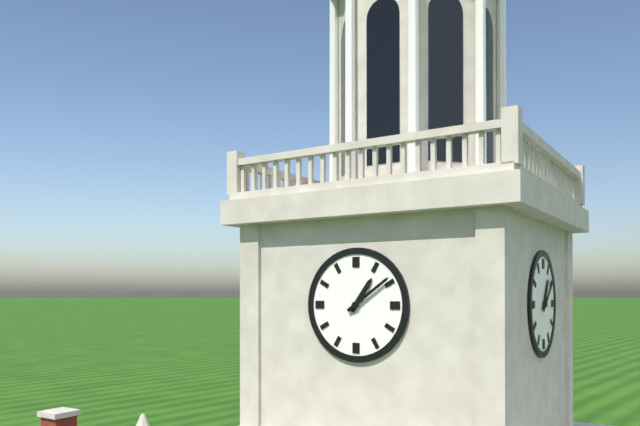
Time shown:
1.09
